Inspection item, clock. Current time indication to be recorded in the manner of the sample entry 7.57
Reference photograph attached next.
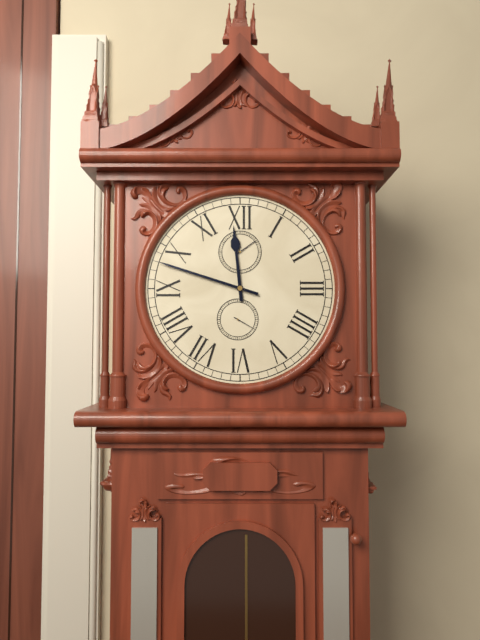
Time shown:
11.48
